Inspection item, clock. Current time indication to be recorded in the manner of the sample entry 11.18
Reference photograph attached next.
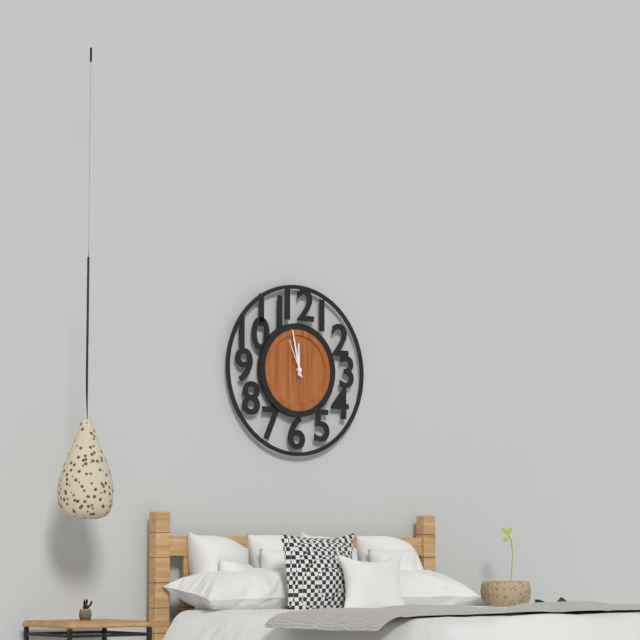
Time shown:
11.58
